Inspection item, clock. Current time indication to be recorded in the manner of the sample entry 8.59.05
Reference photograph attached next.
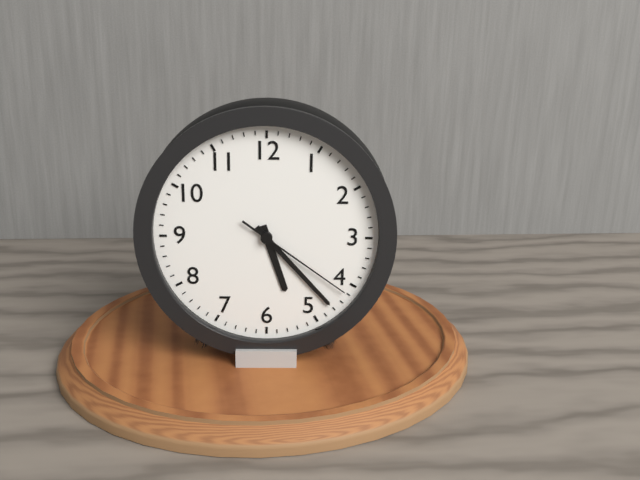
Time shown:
5.23.21
